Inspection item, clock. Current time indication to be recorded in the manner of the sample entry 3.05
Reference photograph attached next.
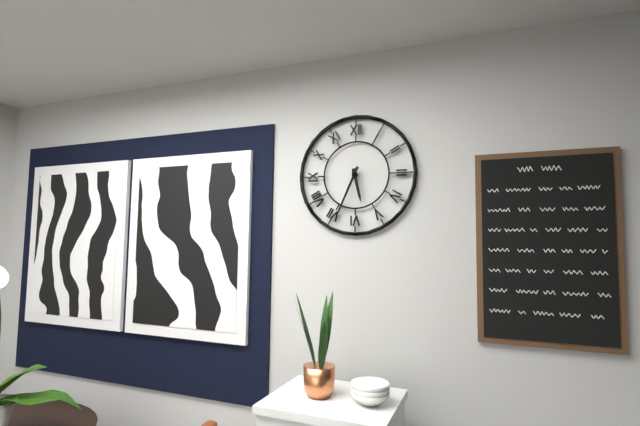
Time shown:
5.34
